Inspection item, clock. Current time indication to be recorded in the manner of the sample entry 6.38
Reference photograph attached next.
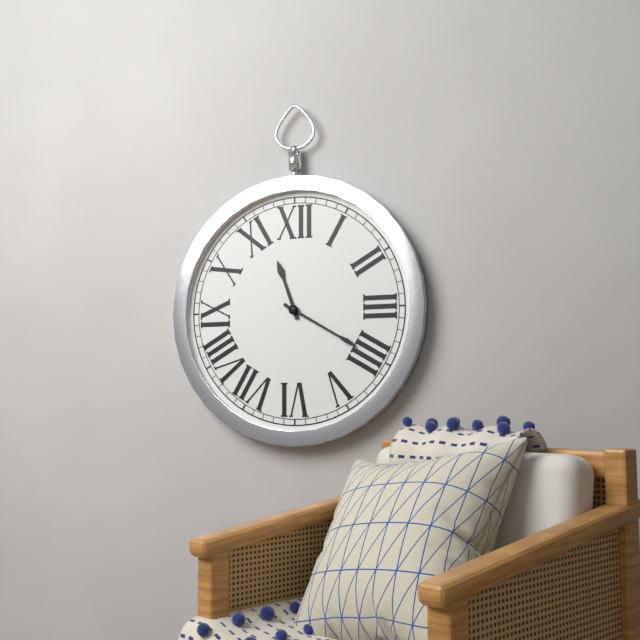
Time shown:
11.20
